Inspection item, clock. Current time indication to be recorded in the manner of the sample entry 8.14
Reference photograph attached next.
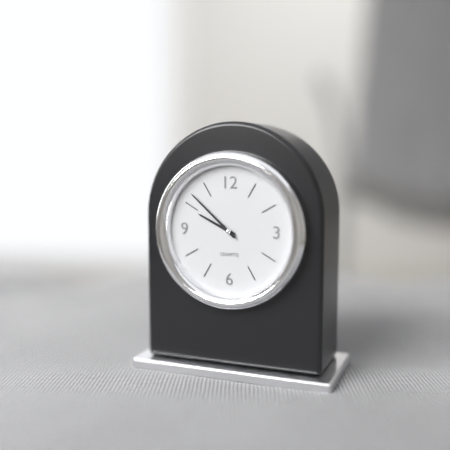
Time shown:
9.52
